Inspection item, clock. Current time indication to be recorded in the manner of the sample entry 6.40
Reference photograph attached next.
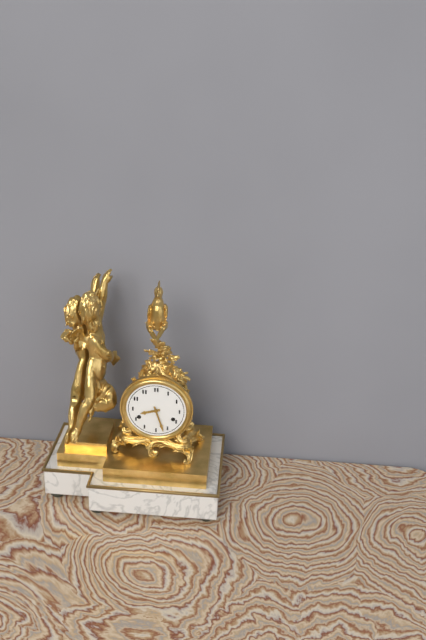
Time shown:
8.27
